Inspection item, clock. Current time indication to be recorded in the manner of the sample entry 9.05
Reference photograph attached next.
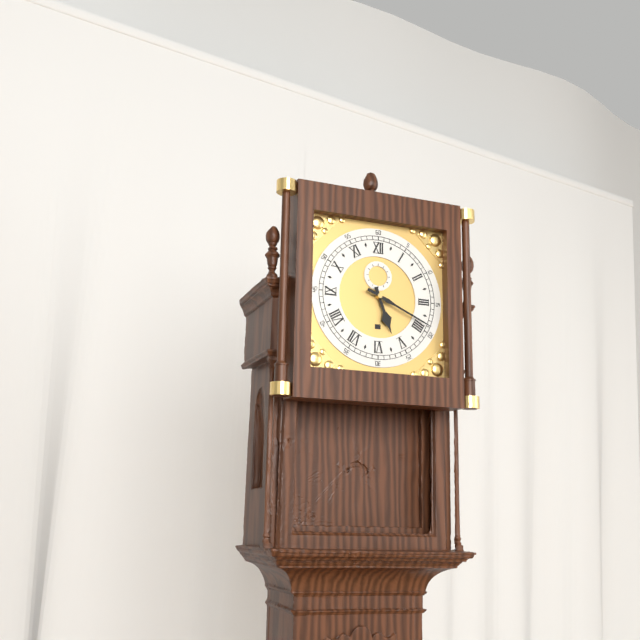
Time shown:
5.19
